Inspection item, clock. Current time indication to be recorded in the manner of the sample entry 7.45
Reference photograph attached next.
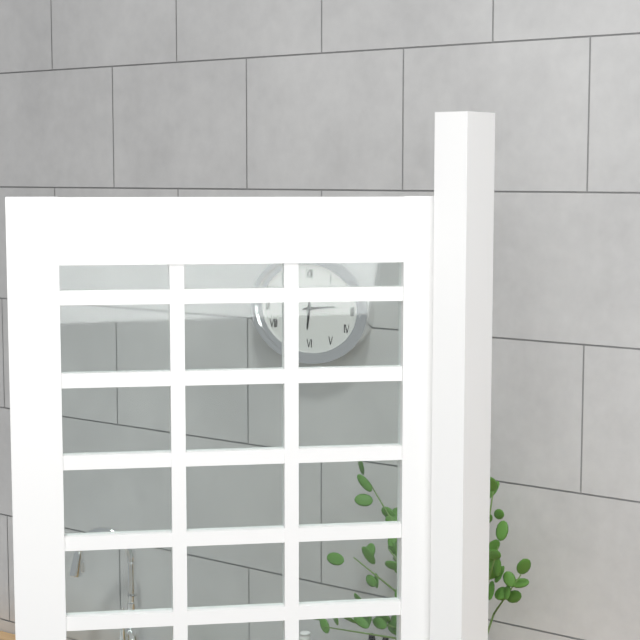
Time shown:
6.14
